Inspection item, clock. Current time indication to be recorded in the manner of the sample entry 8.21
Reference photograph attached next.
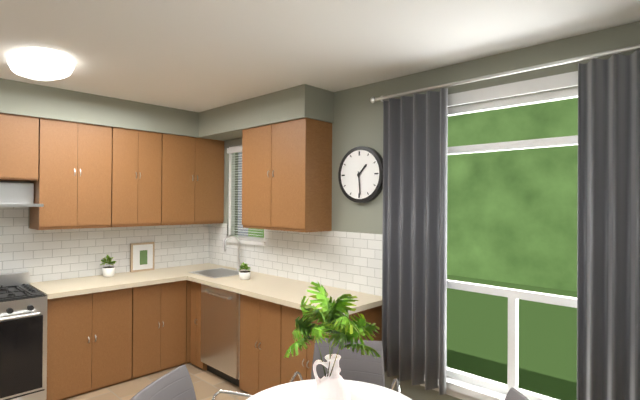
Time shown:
1.29
